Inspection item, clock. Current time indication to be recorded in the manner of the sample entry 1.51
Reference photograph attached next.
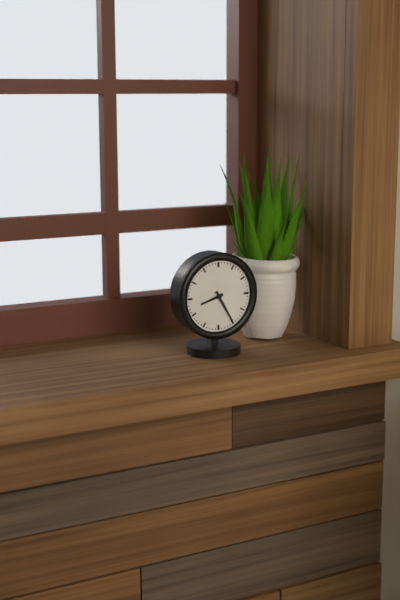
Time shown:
8.25
